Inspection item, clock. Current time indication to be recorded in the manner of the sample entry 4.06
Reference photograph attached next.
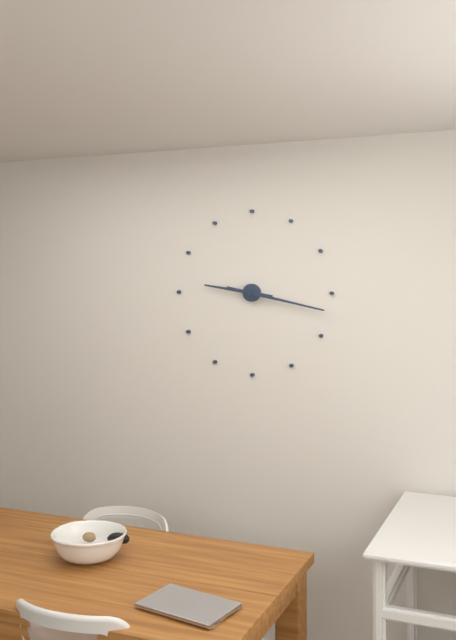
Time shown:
9.17
